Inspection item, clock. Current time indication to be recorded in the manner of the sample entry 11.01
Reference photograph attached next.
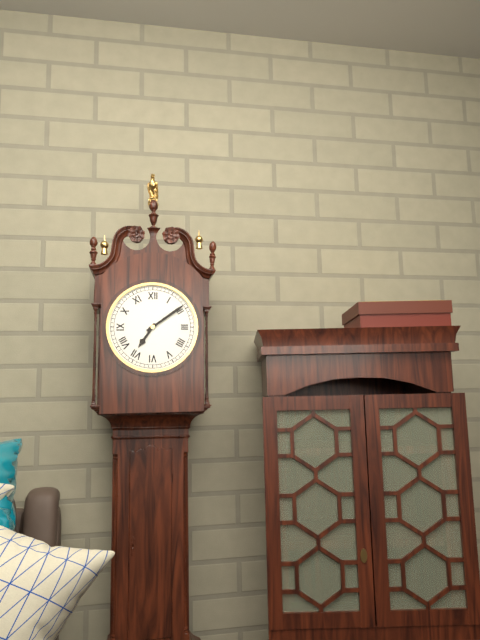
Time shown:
7.09
